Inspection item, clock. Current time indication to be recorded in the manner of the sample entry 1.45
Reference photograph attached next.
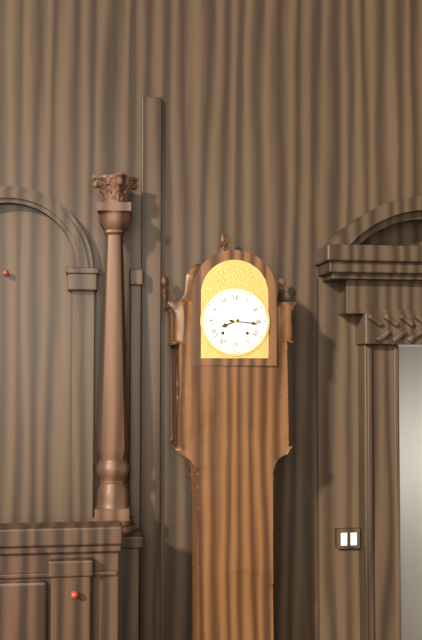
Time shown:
8.16
